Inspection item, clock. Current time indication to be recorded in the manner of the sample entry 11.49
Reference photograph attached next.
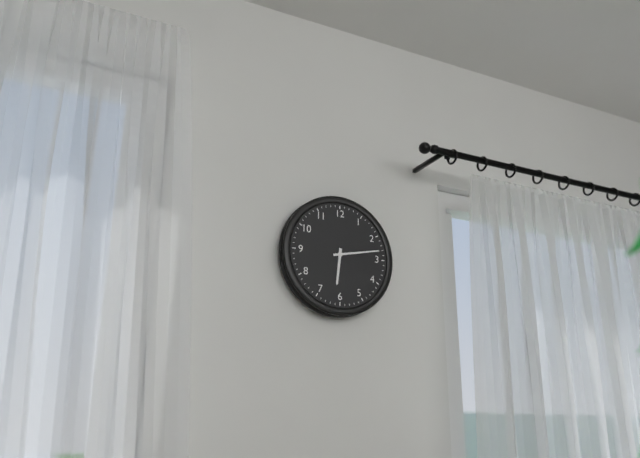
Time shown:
6.13
